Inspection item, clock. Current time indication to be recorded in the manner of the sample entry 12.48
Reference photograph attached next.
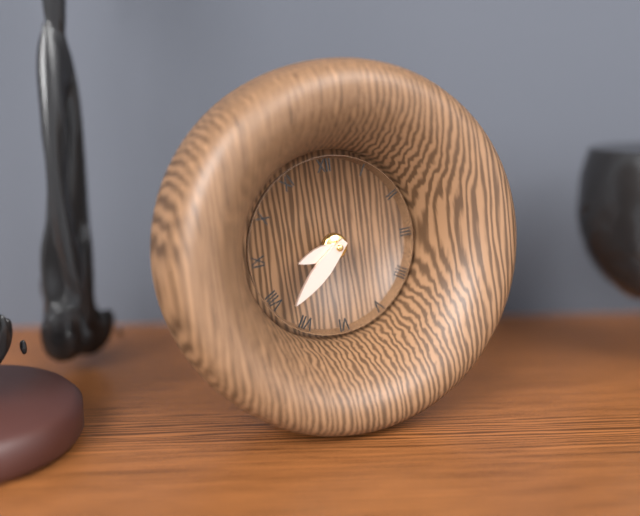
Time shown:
8.38
